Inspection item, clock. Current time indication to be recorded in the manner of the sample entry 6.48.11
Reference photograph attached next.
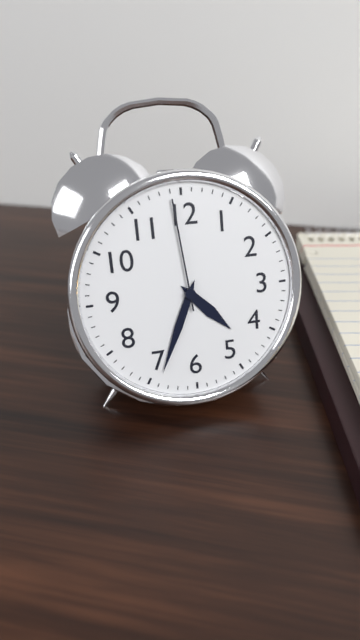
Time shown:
4.34.59
